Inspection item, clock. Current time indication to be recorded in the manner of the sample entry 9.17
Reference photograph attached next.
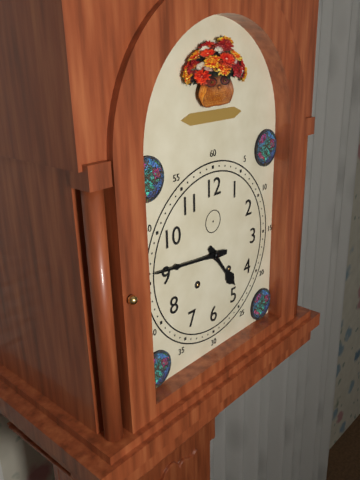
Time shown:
4.46
